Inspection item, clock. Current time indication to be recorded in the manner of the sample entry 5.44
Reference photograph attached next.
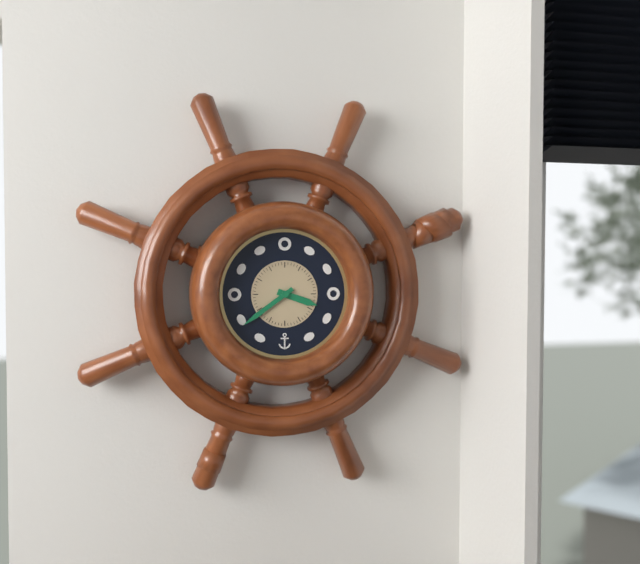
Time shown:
3.39
